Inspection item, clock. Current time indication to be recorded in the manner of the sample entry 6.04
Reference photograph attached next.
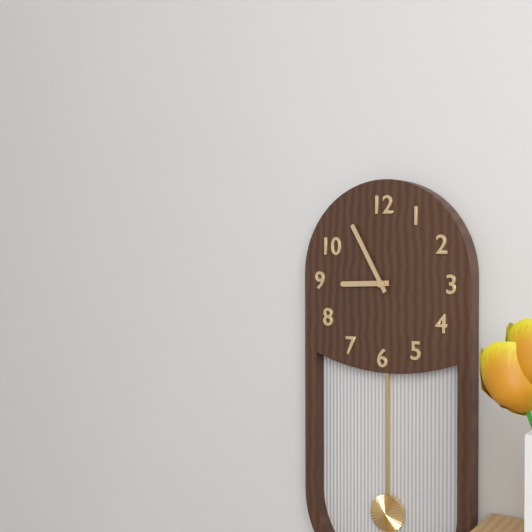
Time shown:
8.55
